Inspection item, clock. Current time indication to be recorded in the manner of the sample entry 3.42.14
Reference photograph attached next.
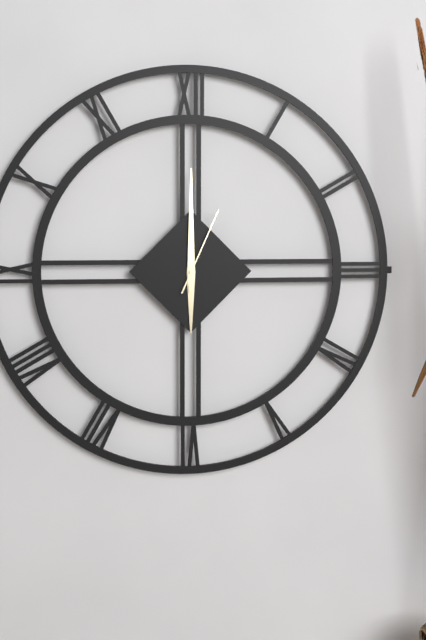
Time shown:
6.00.04
